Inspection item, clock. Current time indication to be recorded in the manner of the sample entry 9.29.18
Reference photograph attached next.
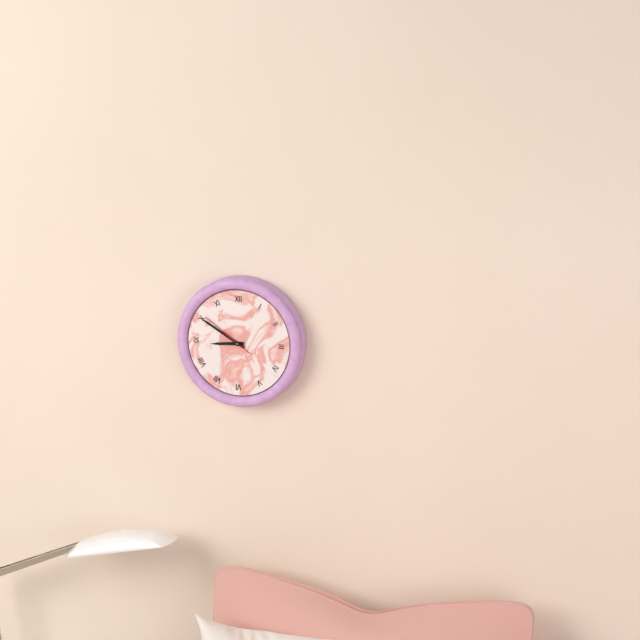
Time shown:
8.50.51
